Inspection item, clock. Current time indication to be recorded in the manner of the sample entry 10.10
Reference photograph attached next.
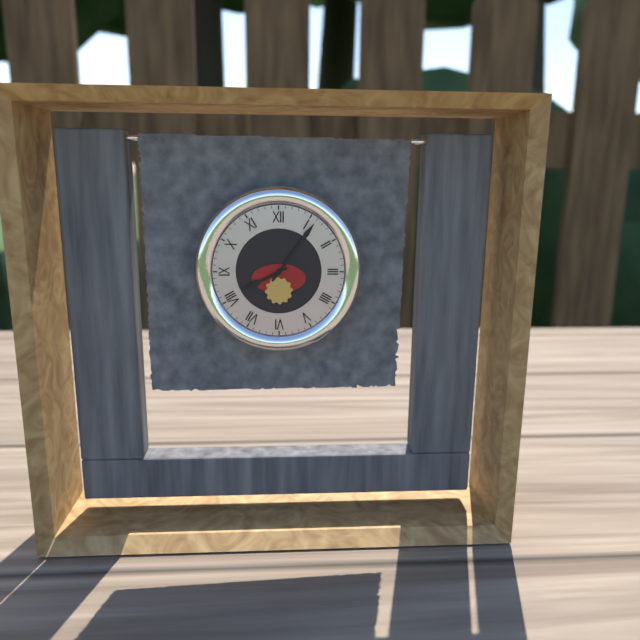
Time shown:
8.06
